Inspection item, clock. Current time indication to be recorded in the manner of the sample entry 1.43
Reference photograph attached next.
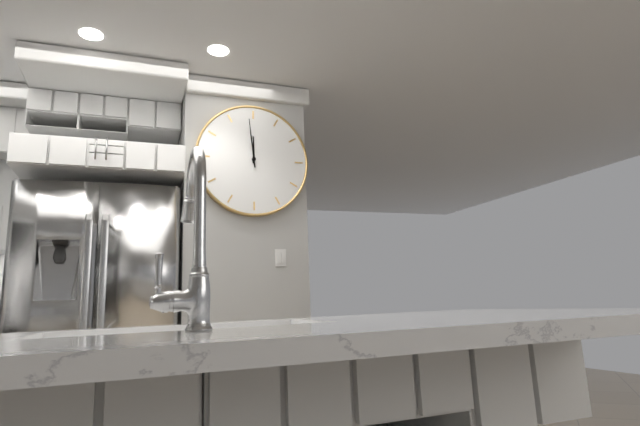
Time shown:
11.59
